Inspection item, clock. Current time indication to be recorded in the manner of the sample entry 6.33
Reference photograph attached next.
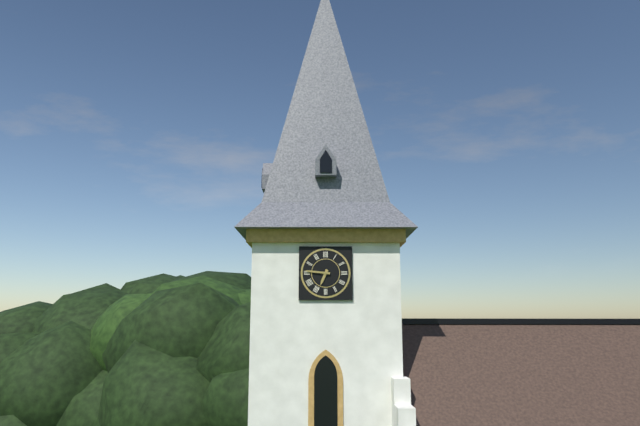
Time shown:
6.46
